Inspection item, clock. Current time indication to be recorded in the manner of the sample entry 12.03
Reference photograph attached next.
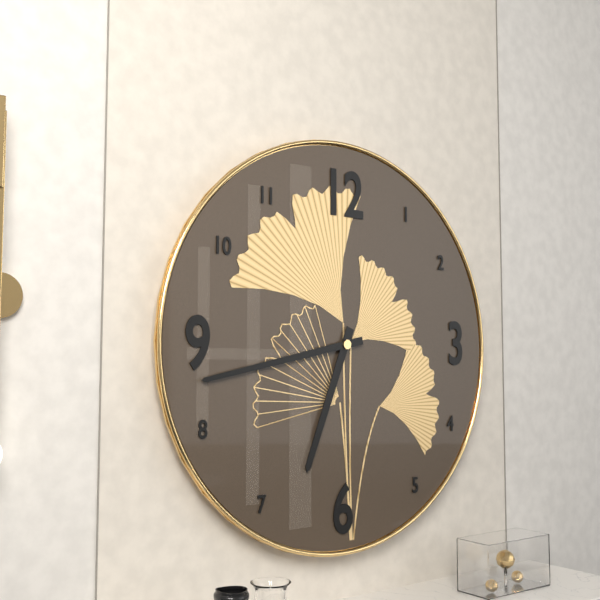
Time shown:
6.43
